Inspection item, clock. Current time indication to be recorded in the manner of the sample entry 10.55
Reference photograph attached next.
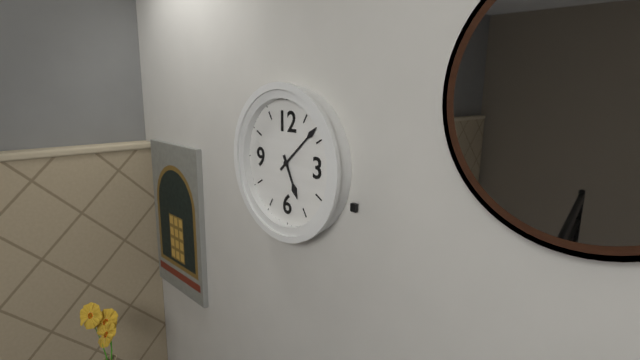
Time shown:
5.08
